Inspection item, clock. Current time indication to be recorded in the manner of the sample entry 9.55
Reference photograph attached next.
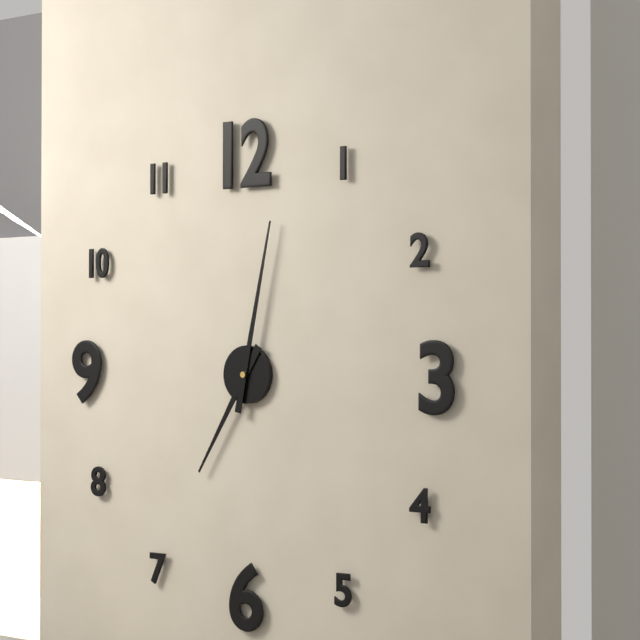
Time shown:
7.02
